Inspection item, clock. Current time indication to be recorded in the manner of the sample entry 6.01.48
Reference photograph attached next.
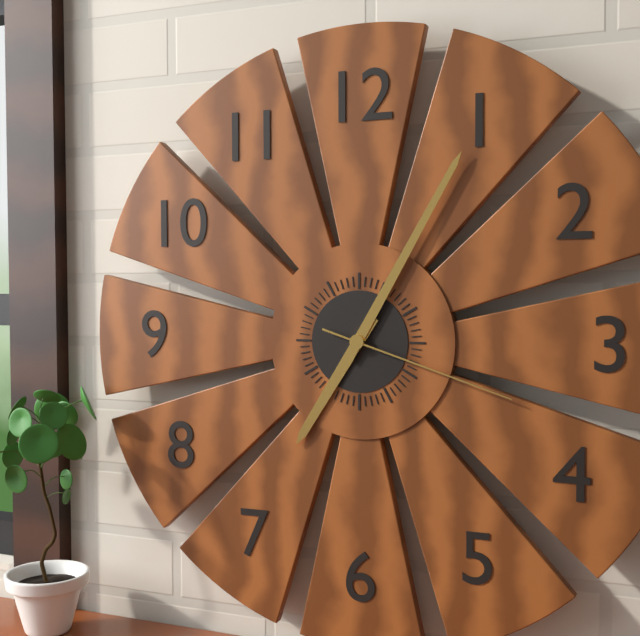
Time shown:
7.05.18
